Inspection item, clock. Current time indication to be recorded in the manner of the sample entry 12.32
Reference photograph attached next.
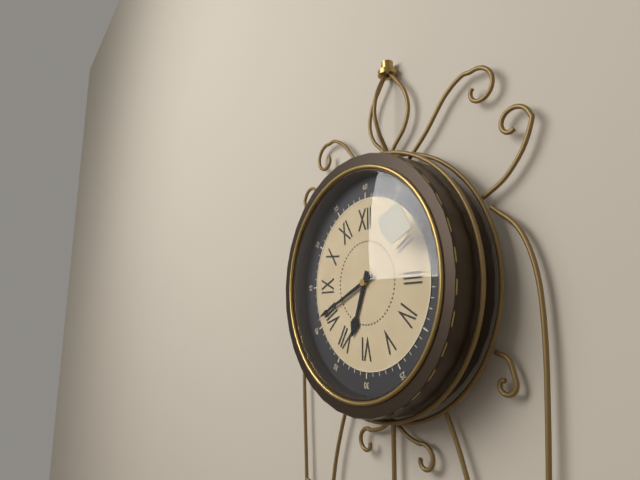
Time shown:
6.41
